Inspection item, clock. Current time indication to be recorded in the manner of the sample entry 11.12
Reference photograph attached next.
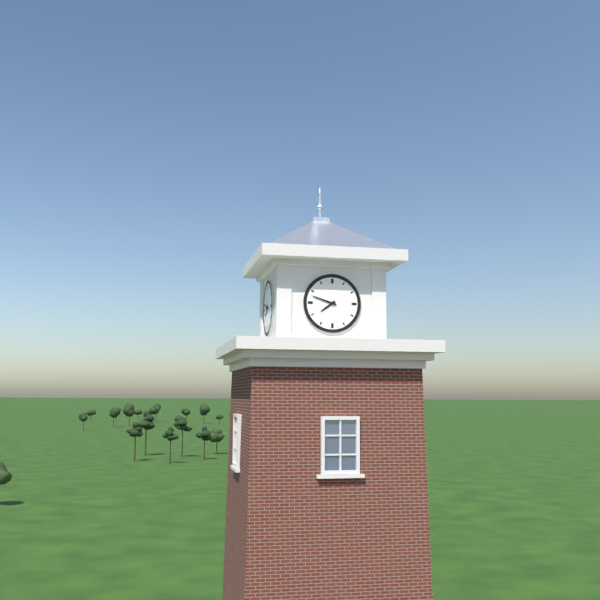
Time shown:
7.48
